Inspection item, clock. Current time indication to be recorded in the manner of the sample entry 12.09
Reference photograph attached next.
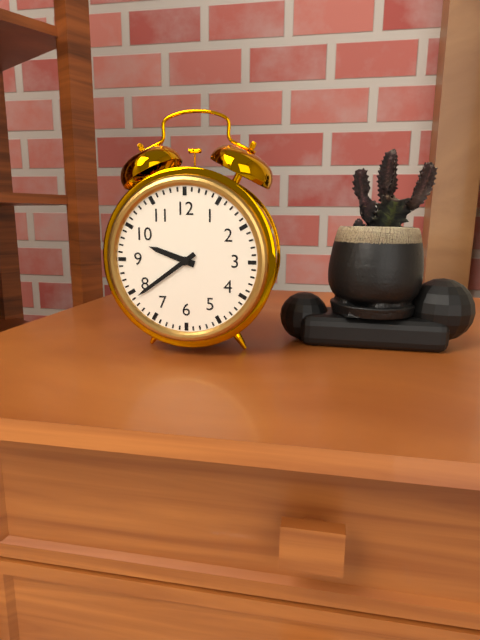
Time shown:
9.39
